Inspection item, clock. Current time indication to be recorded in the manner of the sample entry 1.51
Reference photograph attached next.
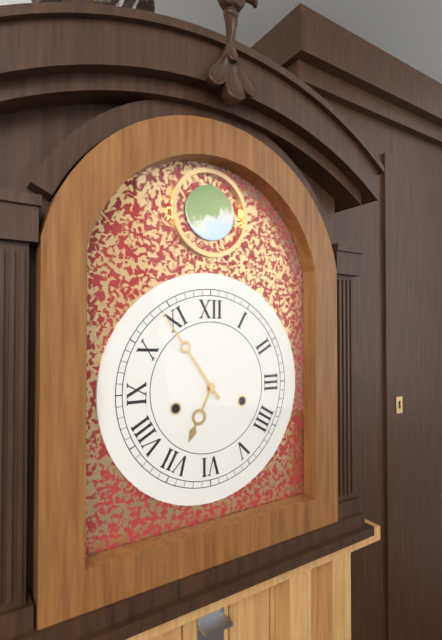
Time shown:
6.54
